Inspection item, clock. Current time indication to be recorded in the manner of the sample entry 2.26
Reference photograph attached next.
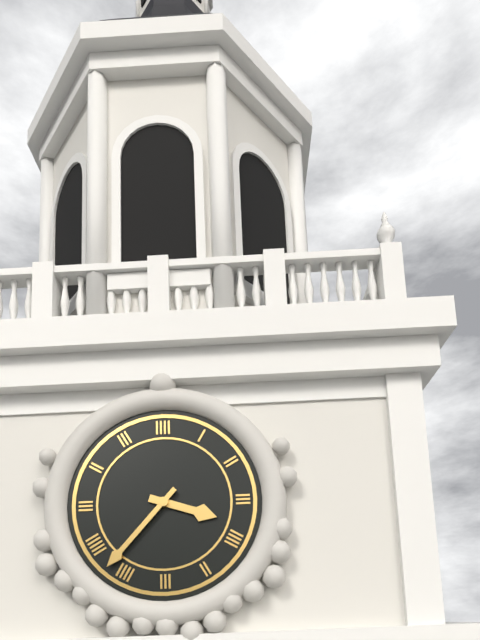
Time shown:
3.37
